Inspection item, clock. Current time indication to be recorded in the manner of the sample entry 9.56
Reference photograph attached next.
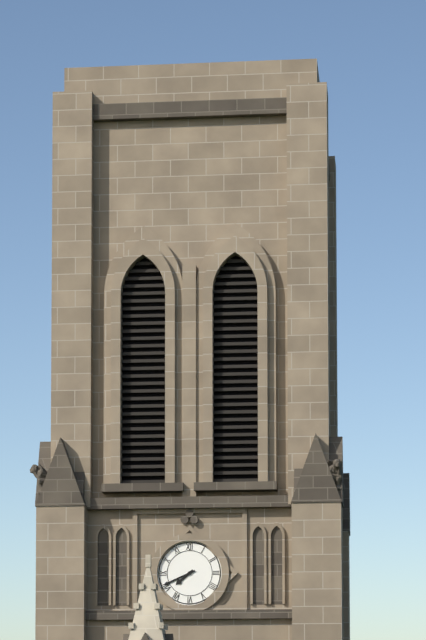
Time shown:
7.41
